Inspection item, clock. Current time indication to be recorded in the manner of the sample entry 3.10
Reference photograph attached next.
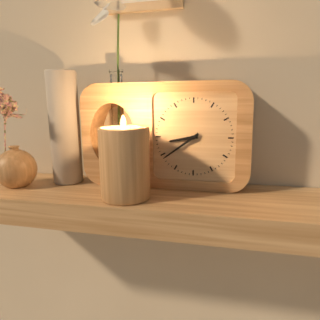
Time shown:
8.39
